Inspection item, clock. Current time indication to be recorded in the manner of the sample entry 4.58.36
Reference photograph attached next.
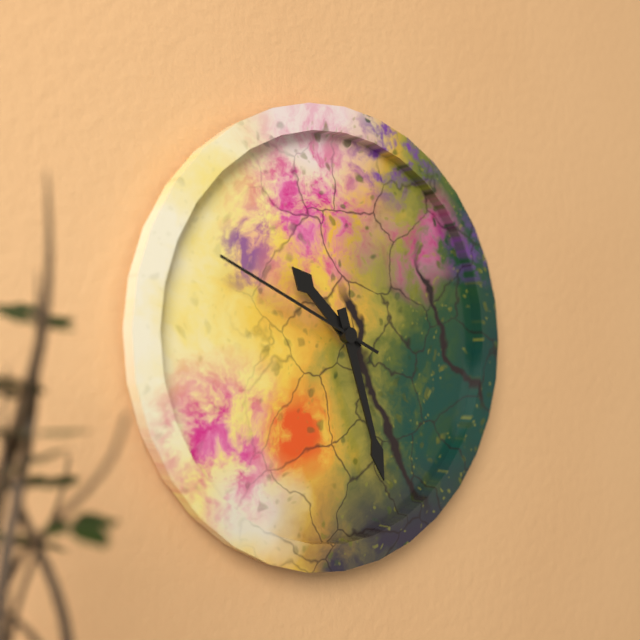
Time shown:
10.27.49
